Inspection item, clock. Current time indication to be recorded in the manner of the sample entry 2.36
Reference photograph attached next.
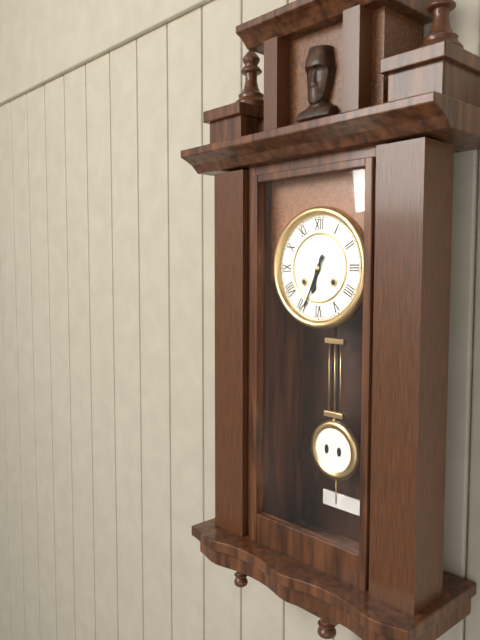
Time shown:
6.34
